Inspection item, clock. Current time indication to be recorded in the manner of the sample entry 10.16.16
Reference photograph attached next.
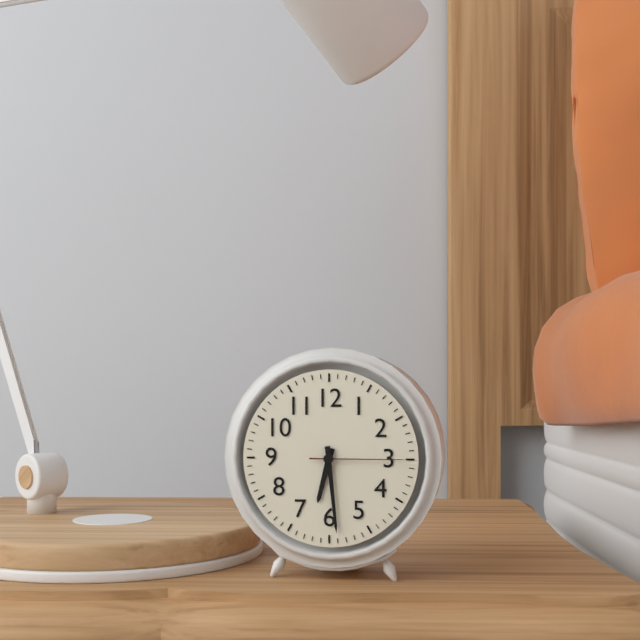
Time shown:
6.29.15
